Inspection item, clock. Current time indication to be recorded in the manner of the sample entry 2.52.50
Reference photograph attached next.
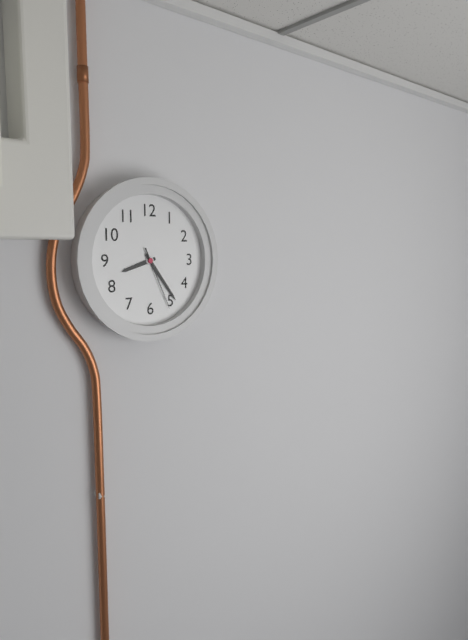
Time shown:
8.24.26
